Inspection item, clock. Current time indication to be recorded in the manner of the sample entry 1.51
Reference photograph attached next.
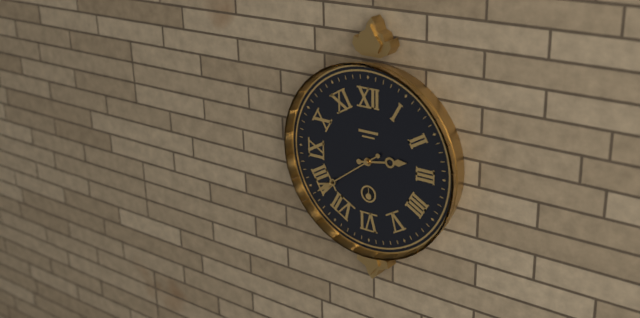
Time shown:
2.39
